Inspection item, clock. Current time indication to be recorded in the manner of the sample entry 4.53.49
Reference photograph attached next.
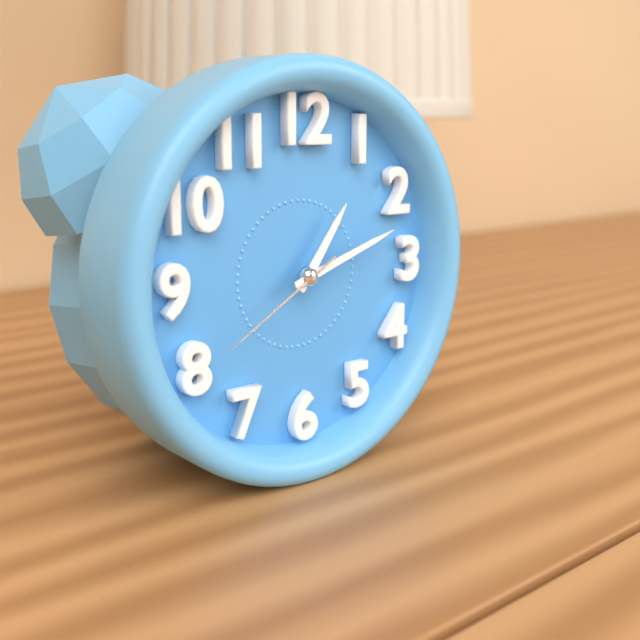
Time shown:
1.12.40
